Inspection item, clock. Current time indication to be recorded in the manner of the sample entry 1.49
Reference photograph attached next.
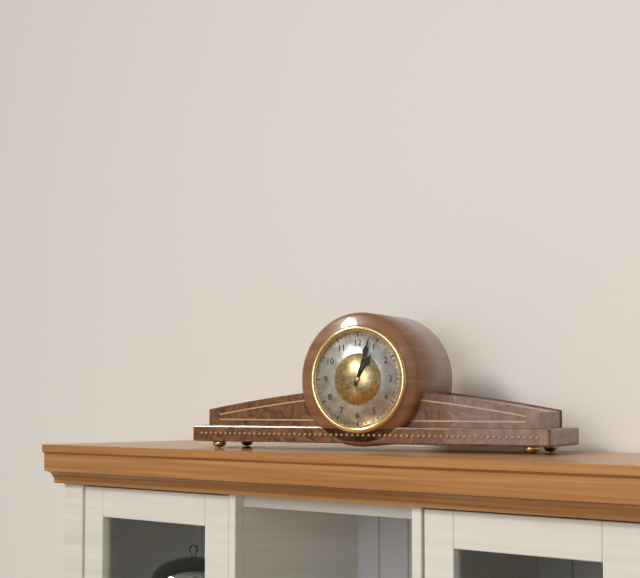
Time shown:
1.03
